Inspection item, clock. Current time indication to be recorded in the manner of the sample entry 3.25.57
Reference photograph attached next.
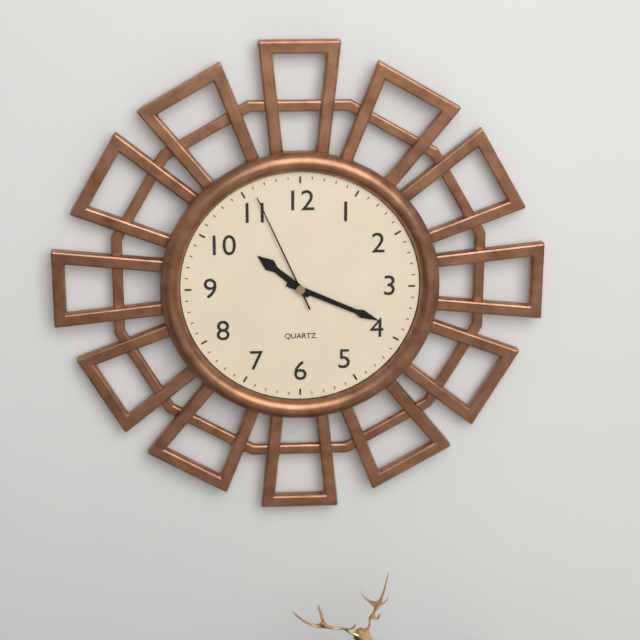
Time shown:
10.19.56
